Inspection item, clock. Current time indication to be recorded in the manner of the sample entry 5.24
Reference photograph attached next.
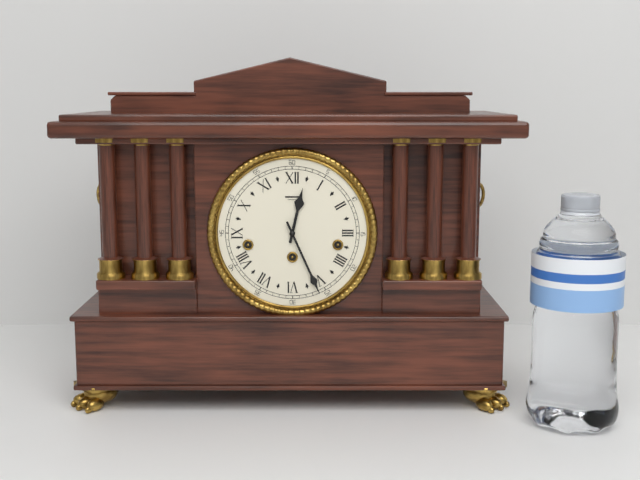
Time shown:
12.26
